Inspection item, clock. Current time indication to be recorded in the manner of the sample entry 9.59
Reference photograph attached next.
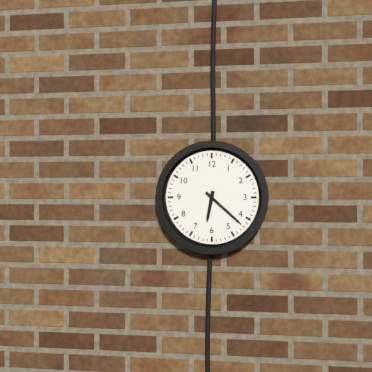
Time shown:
6.22
